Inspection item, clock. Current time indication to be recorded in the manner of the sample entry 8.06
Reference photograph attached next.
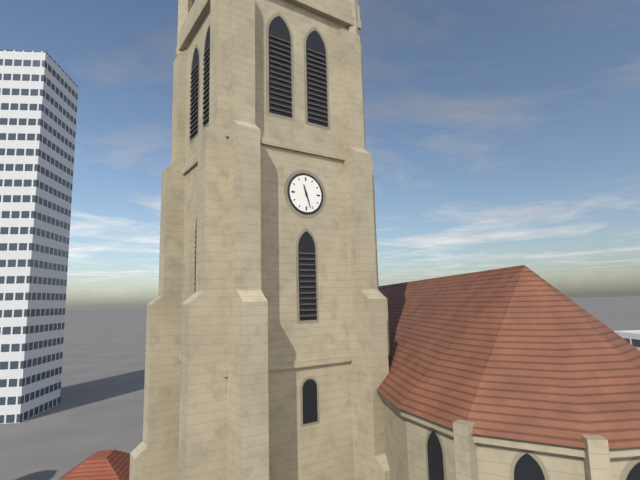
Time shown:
11.27
